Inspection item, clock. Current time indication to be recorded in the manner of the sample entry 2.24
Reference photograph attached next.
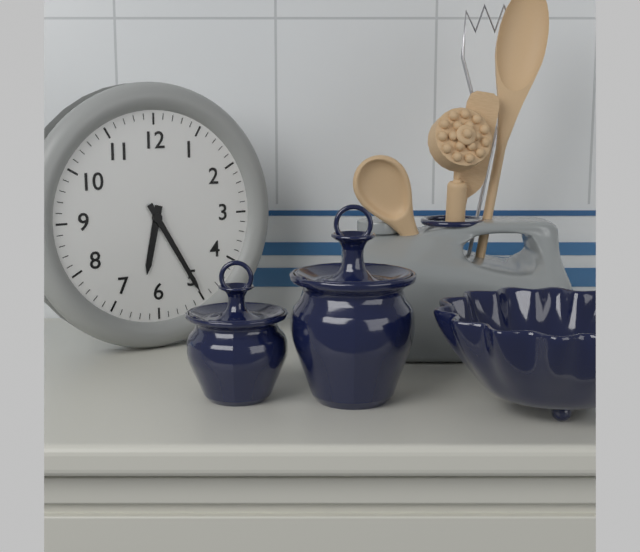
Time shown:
6.25
